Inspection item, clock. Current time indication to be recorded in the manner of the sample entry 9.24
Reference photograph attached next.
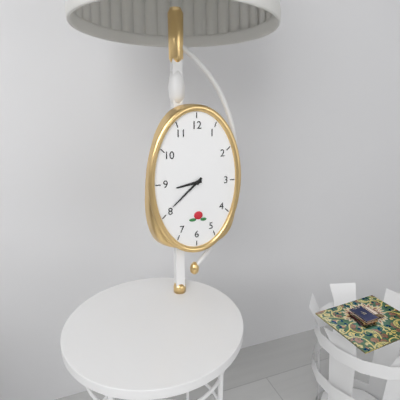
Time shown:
8.38
